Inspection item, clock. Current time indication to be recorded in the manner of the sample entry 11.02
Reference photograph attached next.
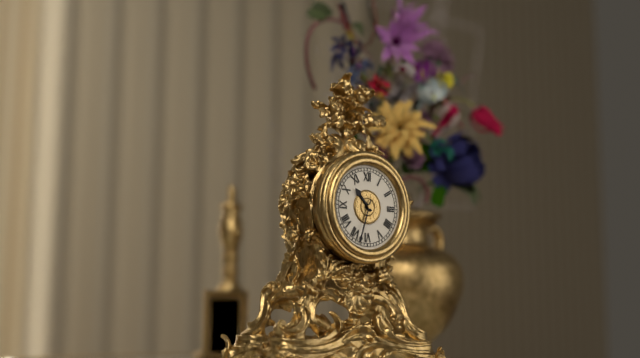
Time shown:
10.33
